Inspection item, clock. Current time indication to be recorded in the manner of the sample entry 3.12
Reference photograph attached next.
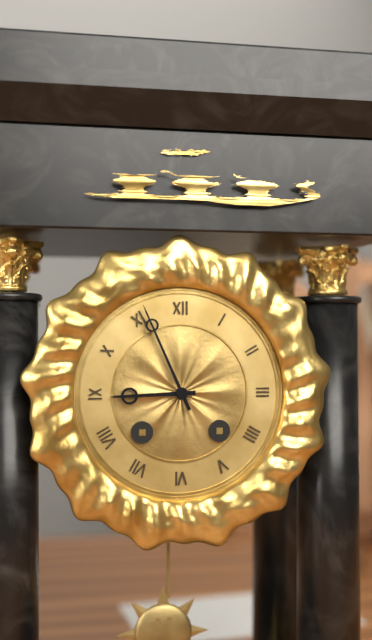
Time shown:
8.56
